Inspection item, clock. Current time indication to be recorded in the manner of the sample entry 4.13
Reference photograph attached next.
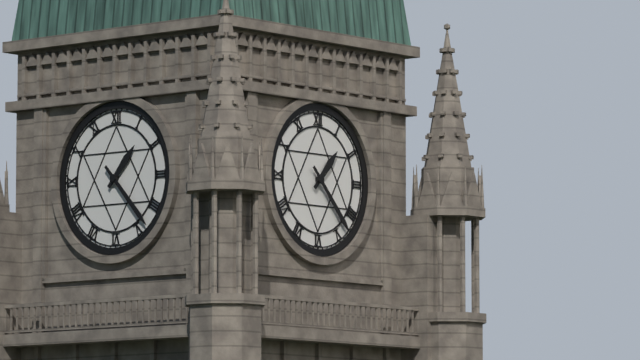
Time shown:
1.23
